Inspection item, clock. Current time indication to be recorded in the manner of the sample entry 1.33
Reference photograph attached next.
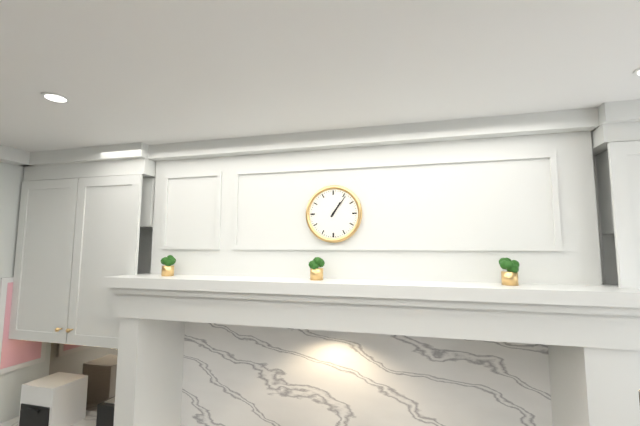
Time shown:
1.06
